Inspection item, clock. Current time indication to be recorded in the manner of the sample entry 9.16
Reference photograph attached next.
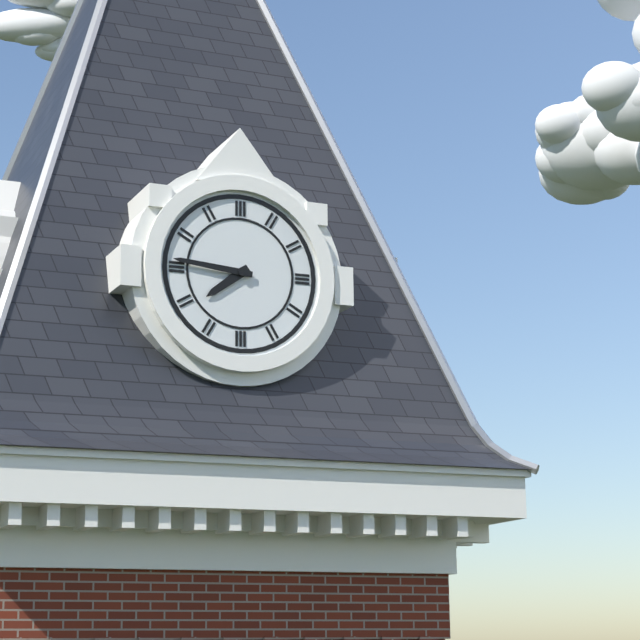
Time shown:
7.46
